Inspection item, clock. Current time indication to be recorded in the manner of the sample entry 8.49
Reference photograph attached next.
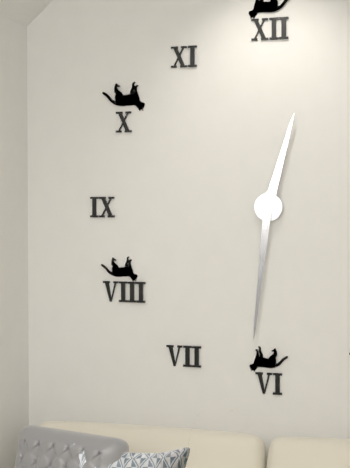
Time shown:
12.31
